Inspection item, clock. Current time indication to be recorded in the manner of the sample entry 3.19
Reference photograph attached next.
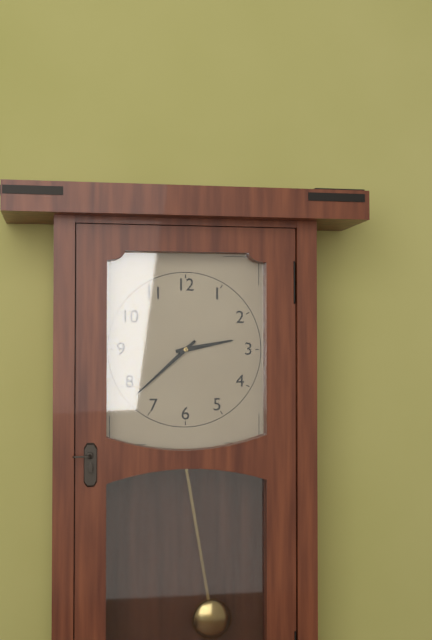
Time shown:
2.38
